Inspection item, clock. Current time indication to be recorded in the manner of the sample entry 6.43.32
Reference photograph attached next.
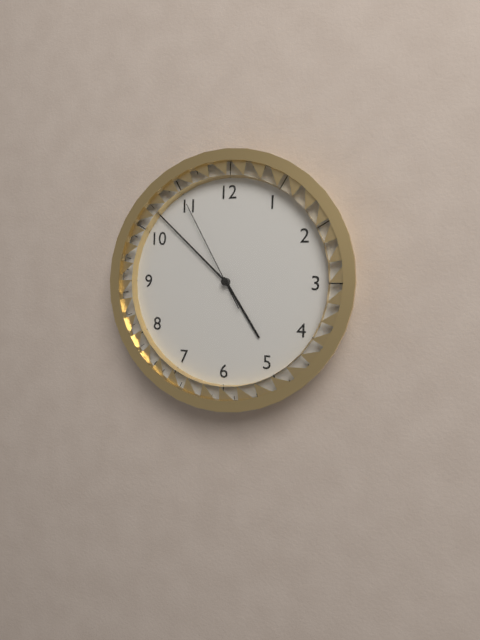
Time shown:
4.52.55
